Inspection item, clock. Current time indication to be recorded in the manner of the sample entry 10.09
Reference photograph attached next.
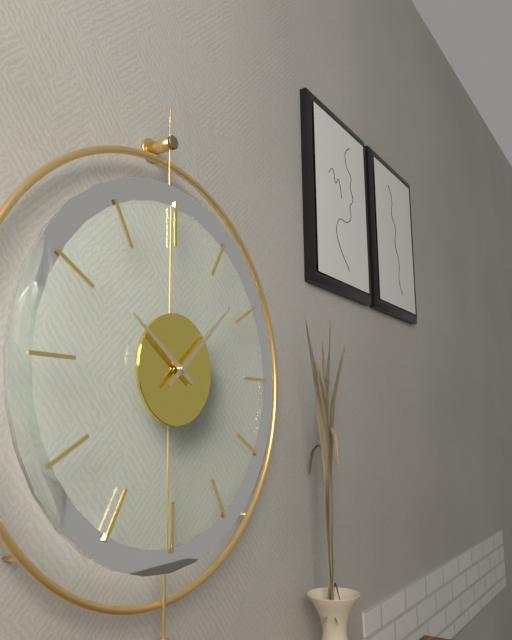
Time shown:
10.08
